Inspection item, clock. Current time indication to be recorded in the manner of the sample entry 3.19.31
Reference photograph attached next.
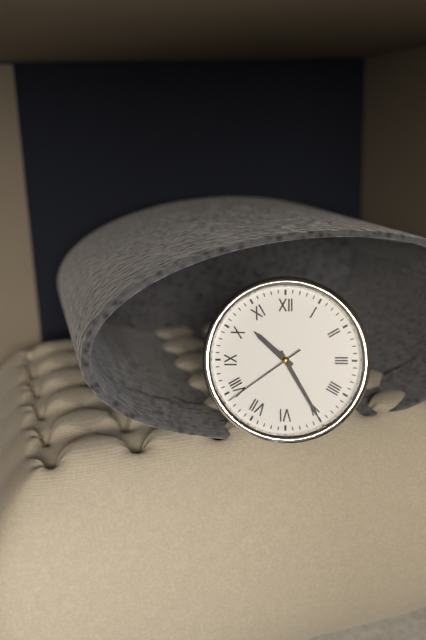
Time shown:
10.25.39
